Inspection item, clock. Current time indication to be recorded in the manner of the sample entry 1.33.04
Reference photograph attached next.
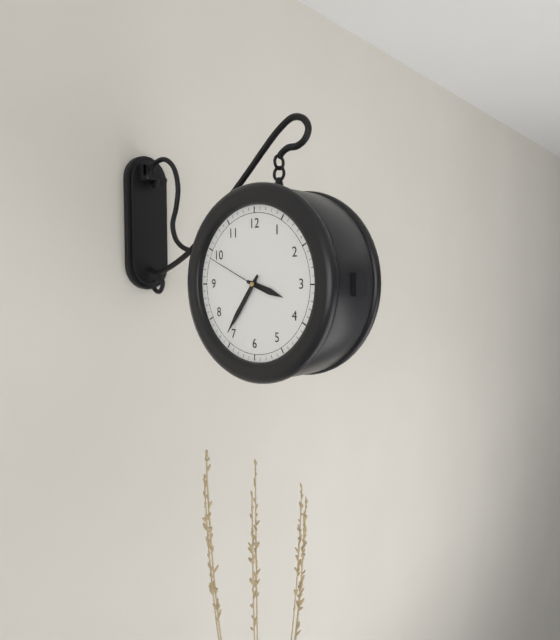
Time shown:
3.36.49
